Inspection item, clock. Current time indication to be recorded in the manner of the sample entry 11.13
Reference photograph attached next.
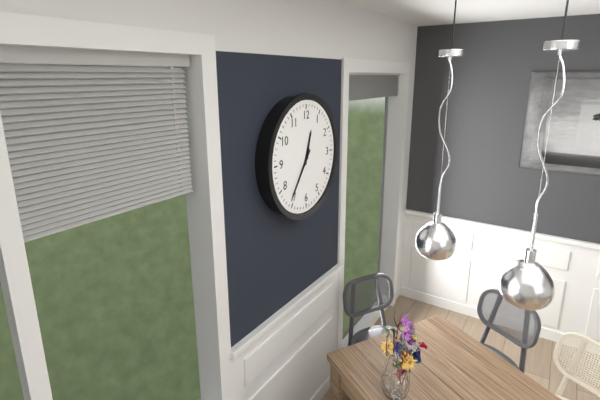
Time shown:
12.36
